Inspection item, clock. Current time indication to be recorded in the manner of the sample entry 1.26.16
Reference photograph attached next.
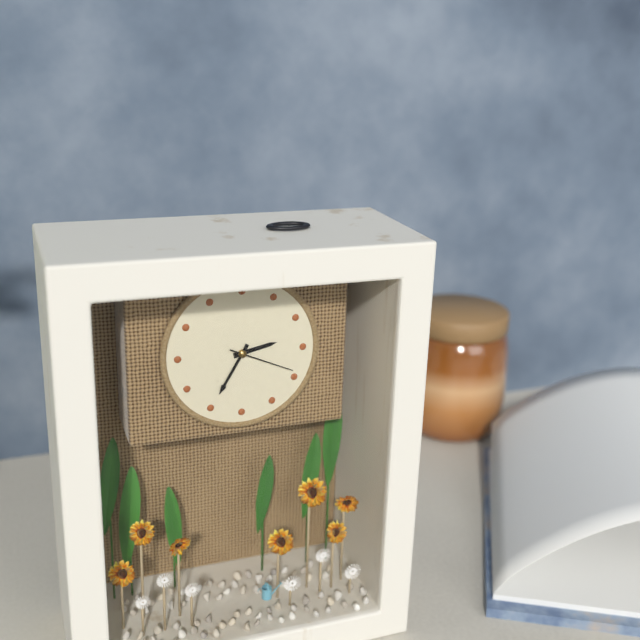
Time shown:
2.35.19
